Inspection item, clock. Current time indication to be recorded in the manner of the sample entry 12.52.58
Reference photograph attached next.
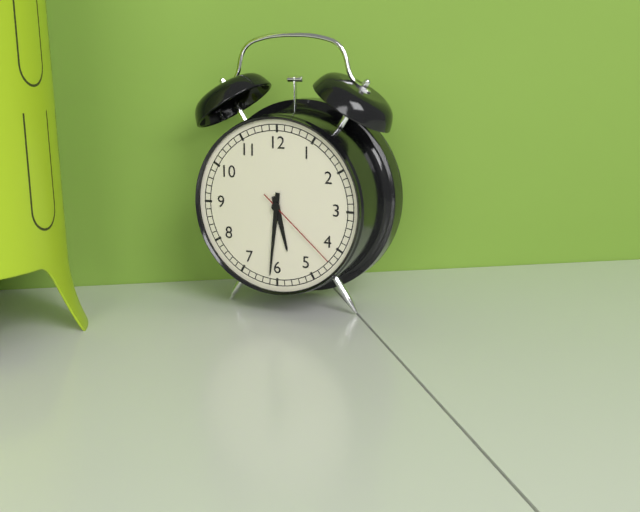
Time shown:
5.31.22
